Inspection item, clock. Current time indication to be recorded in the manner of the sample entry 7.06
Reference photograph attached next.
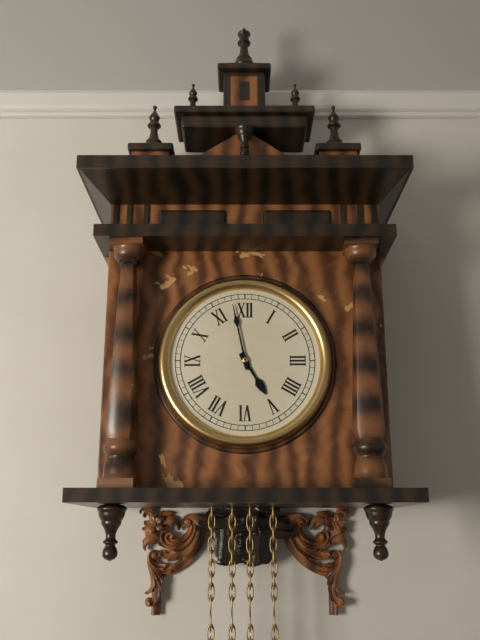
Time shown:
4.58
